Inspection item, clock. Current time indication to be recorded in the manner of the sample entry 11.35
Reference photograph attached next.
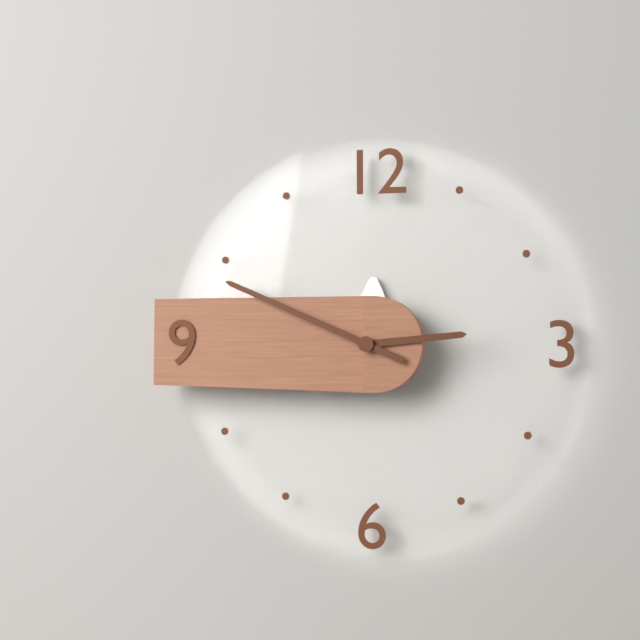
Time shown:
2.49
